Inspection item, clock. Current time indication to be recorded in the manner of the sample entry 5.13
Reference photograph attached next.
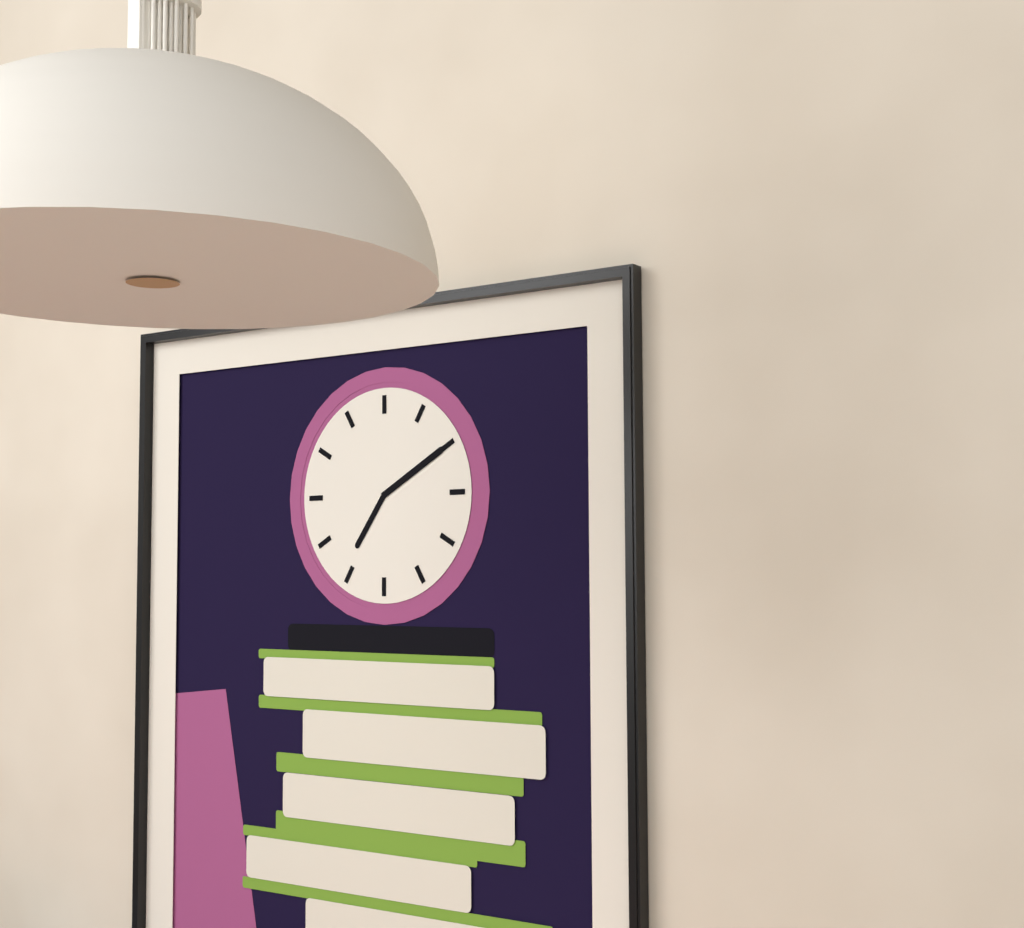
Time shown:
7.10
